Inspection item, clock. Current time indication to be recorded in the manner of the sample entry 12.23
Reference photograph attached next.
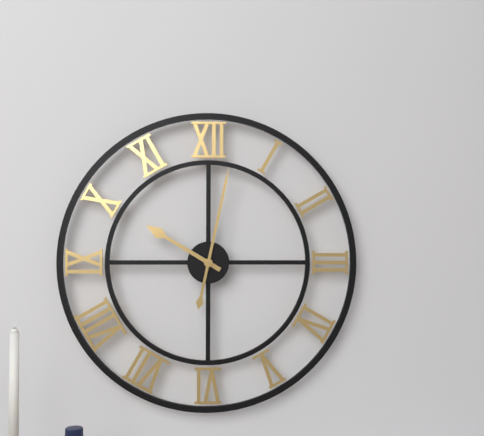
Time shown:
10.02
